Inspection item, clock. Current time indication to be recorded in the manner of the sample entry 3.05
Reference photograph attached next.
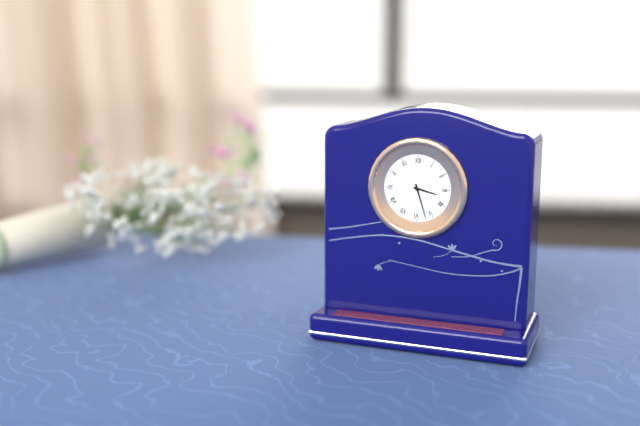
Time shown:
3.27
